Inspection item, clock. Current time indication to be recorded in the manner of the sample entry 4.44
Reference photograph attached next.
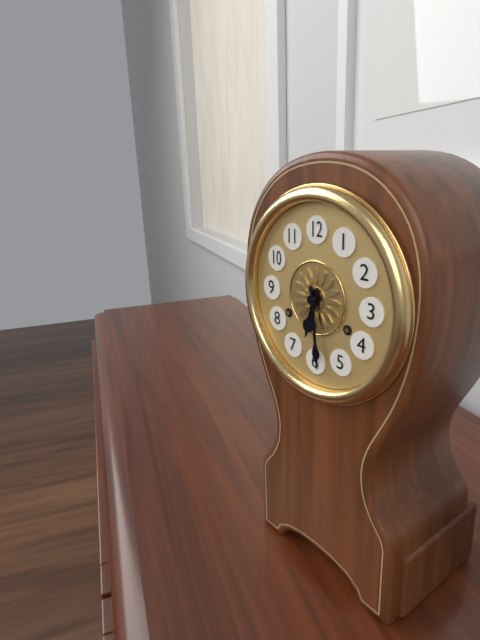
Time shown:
6.29
